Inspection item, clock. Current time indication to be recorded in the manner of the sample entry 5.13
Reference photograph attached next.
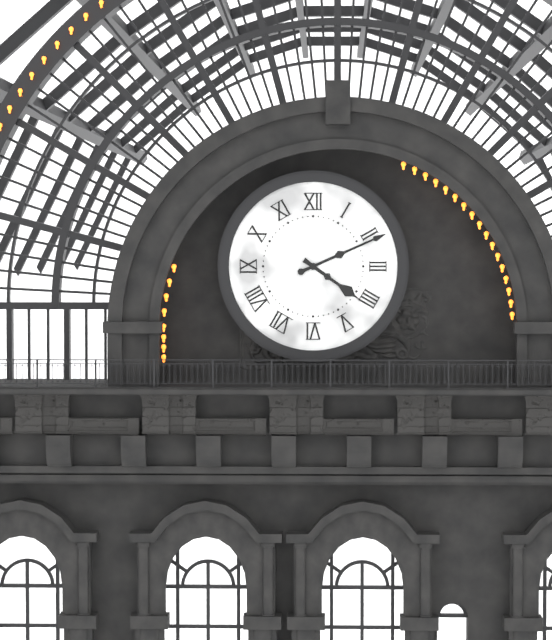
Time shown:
4.11
